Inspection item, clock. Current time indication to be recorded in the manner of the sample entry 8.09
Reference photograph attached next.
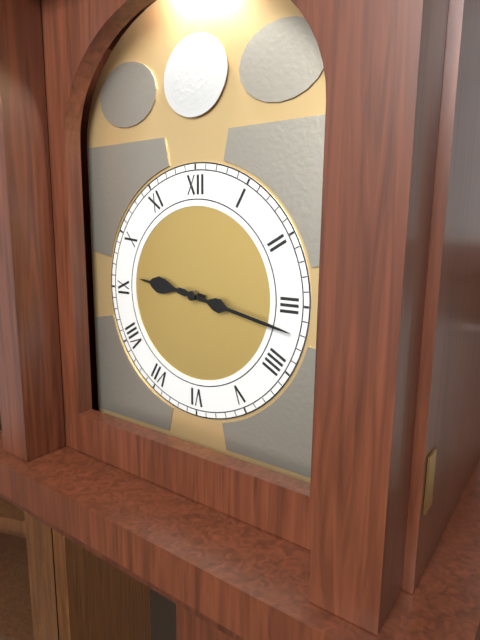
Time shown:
9.17
